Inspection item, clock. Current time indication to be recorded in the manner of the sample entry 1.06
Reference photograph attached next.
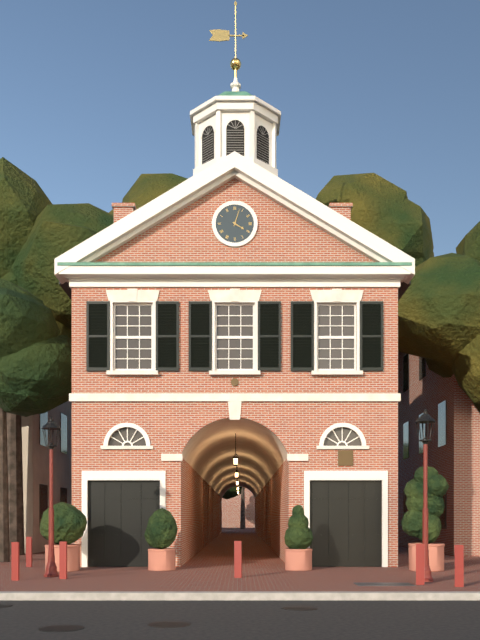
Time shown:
4.03
